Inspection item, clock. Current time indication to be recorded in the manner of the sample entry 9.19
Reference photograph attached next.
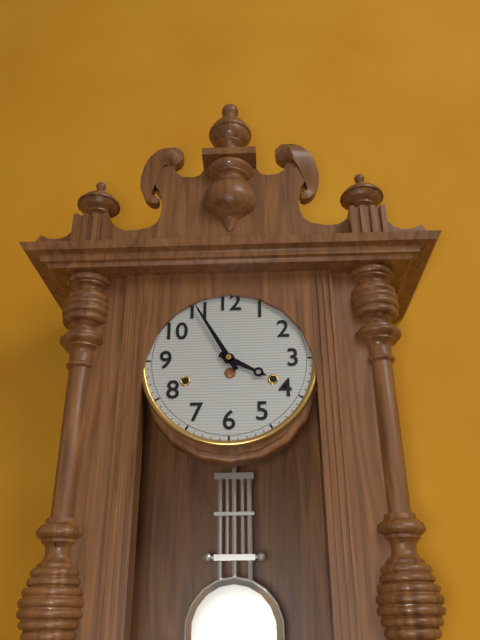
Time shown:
3.55
